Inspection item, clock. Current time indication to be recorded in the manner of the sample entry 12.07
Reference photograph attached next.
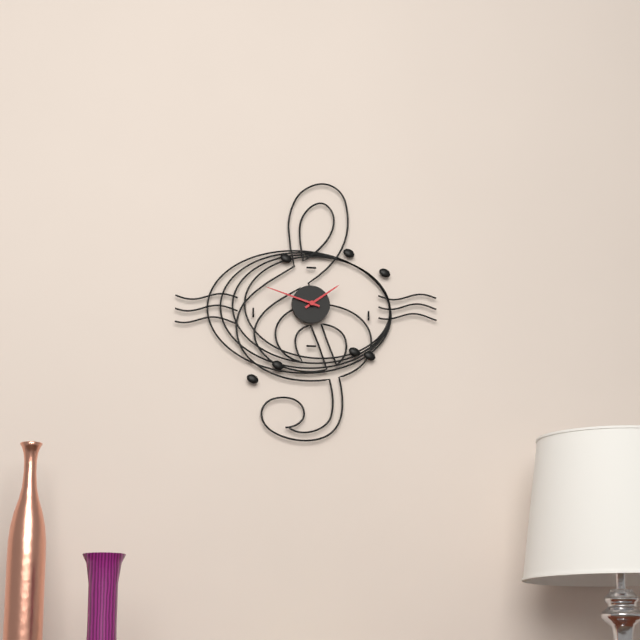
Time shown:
1.48
